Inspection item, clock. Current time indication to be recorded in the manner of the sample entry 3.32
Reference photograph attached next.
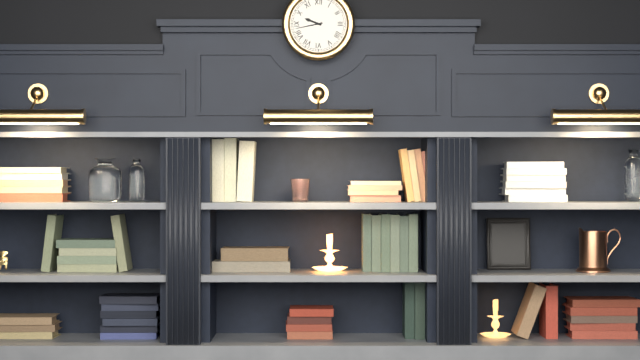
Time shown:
9.43
